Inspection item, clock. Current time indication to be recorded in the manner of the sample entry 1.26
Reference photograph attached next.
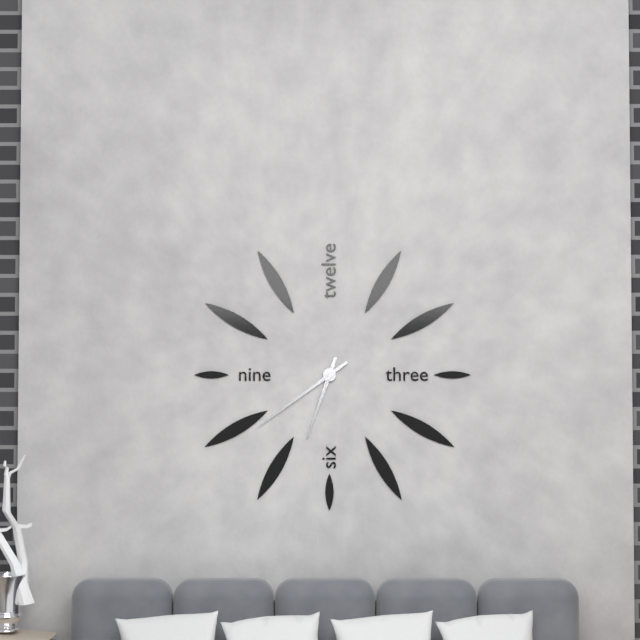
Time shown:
6.39
